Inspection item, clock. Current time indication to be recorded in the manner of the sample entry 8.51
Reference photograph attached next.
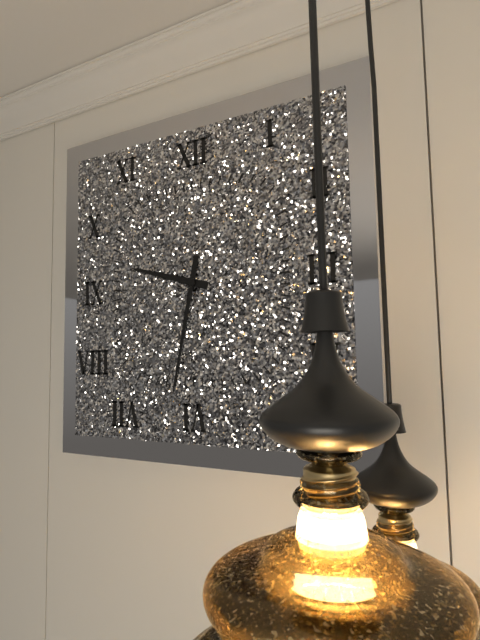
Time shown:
9.32
